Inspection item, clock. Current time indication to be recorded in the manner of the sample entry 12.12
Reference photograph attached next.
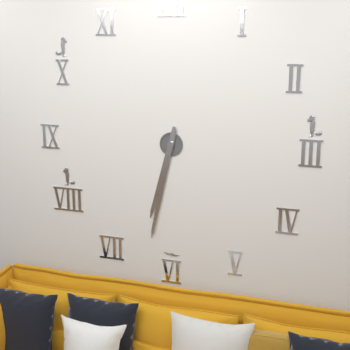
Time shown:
6.32
